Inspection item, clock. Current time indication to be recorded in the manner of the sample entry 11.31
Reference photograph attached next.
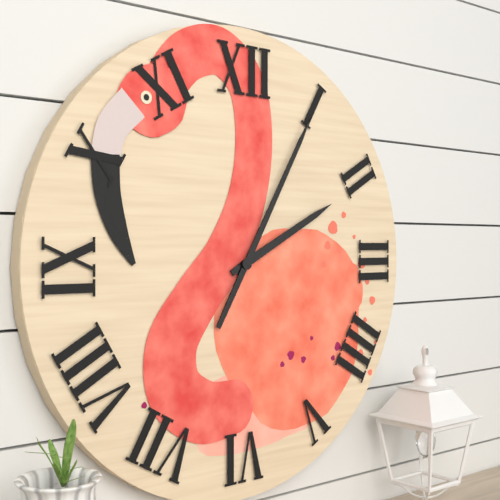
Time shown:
2.05
